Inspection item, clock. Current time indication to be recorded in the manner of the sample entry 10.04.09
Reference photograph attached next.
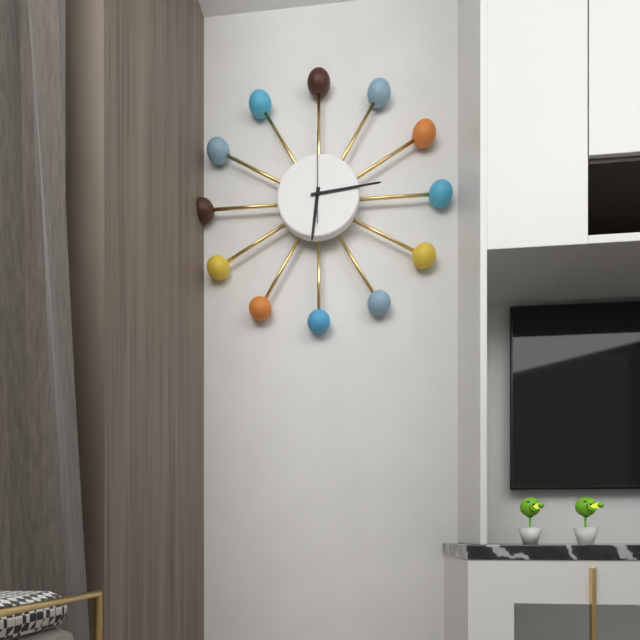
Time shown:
6.14.00
